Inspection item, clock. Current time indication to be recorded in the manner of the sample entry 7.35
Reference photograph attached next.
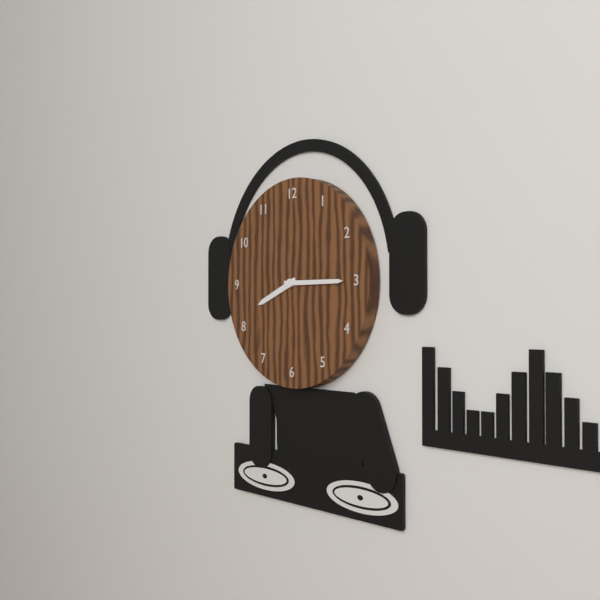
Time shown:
8.15
